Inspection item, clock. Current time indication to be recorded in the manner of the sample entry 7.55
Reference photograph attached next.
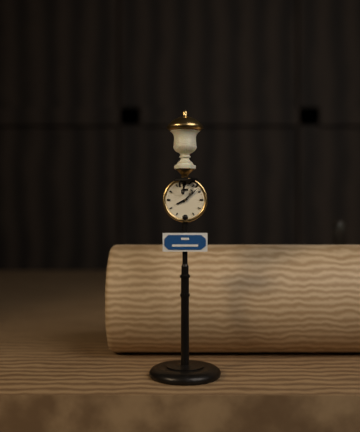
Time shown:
8.08
